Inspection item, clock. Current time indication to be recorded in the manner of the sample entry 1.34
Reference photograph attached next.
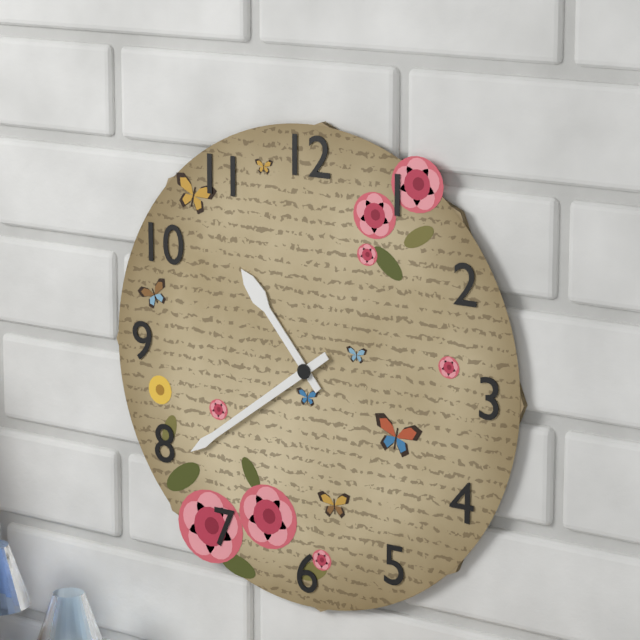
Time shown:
10.39
